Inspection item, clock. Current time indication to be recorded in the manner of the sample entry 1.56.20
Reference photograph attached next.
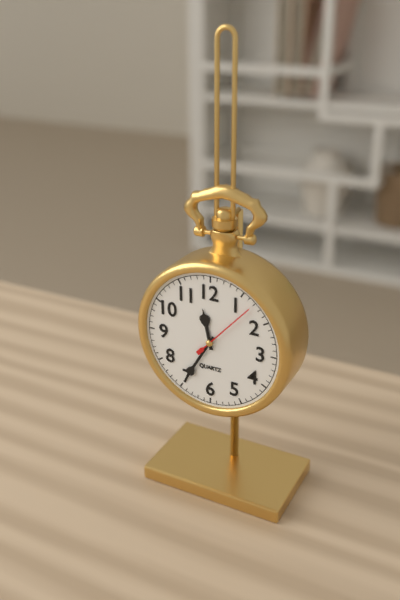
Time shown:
11.35.07
